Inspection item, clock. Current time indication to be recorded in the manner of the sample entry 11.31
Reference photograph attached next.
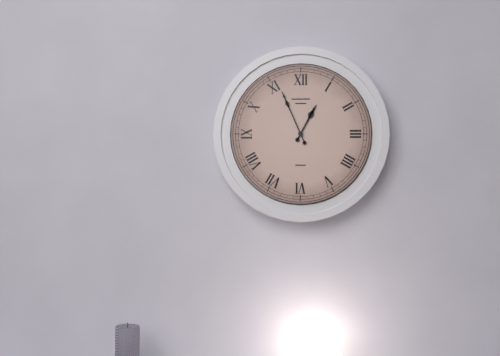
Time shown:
12.56
